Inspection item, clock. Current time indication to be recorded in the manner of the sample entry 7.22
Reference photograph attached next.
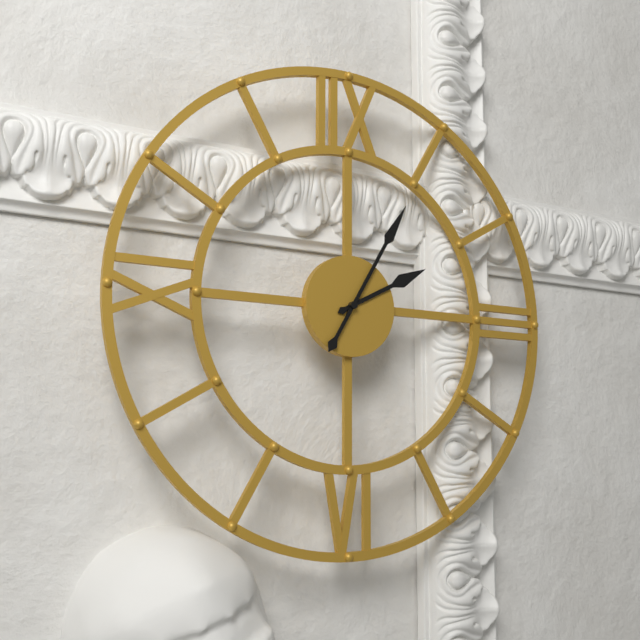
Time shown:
2.05
